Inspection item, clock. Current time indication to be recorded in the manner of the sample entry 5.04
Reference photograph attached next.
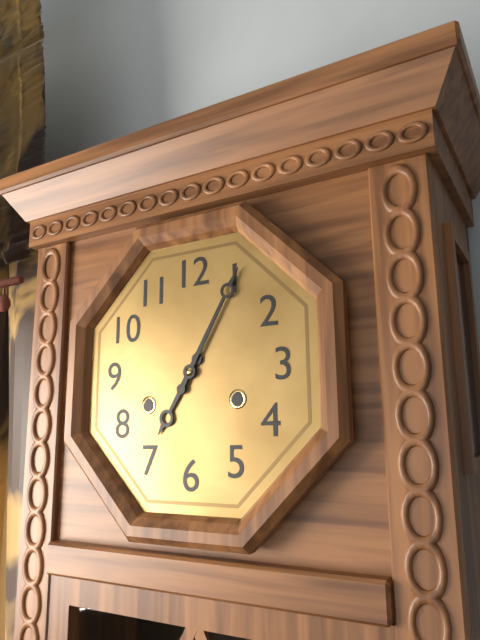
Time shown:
7.05
